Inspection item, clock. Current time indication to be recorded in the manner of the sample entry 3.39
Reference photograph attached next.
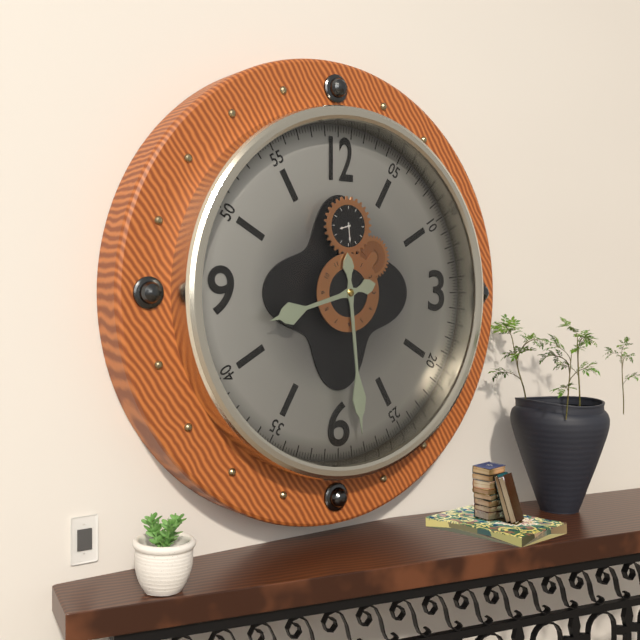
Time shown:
8.29
